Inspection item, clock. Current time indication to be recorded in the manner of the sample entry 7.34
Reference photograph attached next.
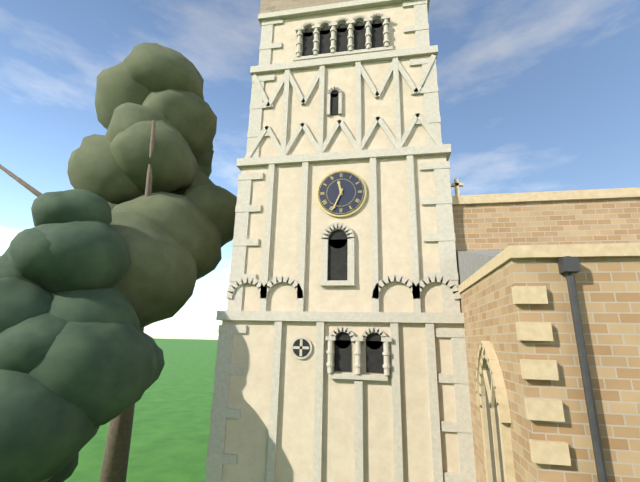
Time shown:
11.34
